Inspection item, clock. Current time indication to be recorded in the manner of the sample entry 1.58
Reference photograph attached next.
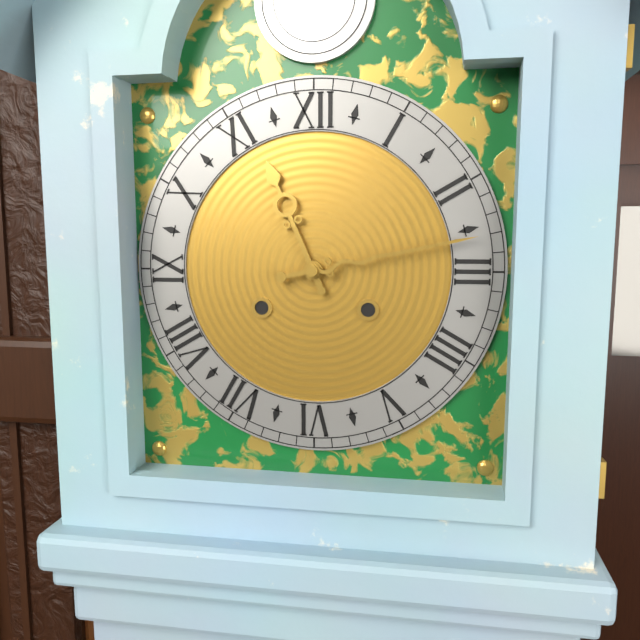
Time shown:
11.13
